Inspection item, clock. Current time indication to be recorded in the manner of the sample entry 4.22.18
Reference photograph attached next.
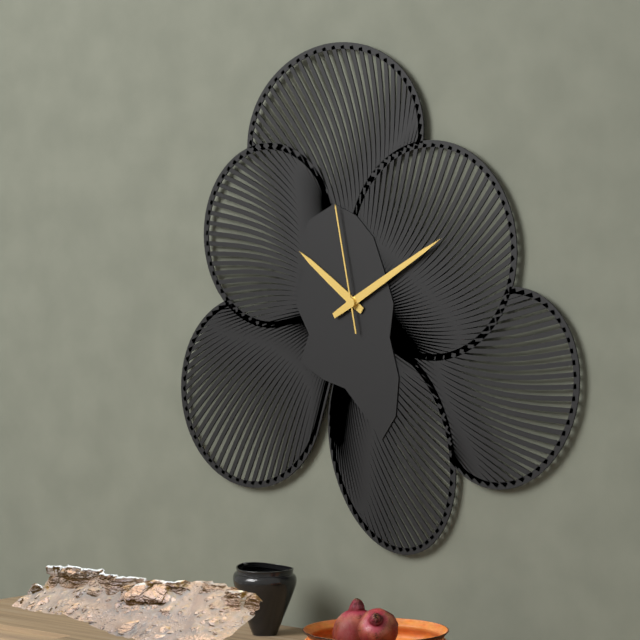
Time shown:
10.10.58
